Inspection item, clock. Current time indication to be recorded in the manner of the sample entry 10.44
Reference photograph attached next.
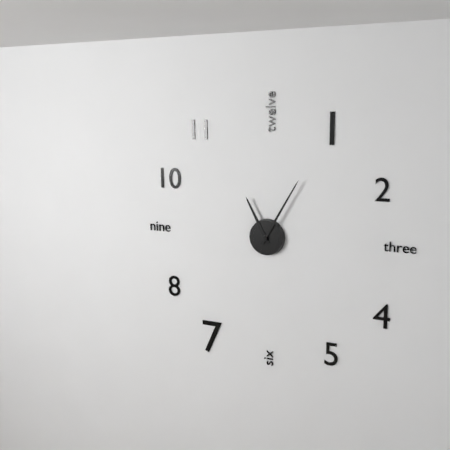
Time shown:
11.05
